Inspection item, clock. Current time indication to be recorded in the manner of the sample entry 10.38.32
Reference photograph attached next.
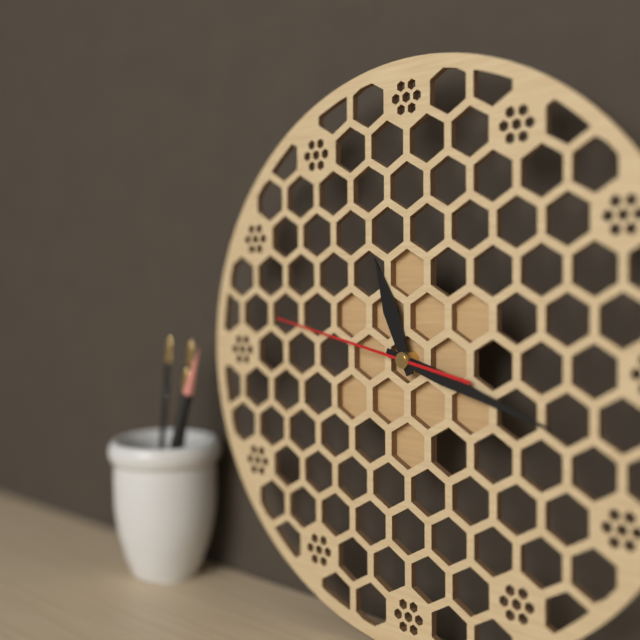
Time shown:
11.18.47
